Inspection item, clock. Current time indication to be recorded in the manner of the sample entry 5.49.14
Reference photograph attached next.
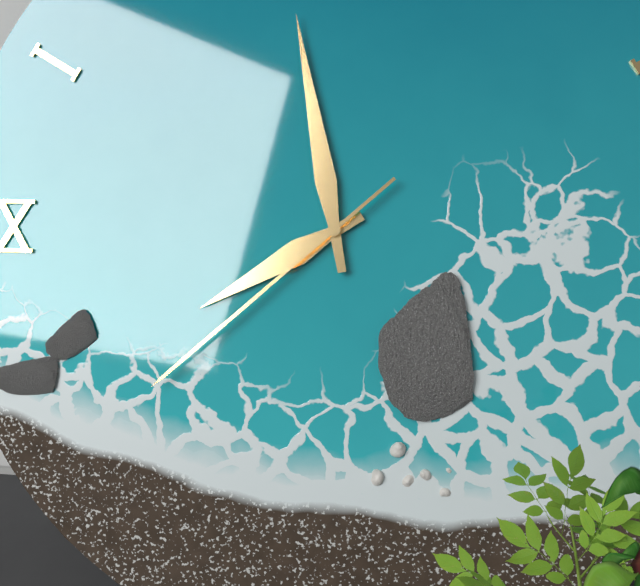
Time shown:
7.58.38
